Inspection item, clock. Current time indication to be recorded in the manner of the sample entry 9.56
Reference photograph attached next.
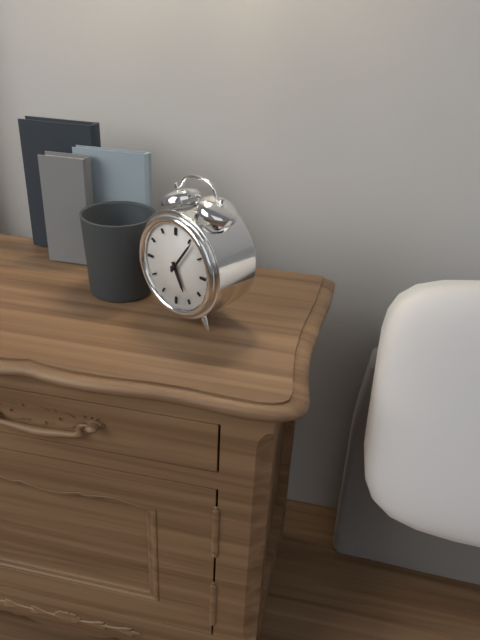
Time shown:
5.06
